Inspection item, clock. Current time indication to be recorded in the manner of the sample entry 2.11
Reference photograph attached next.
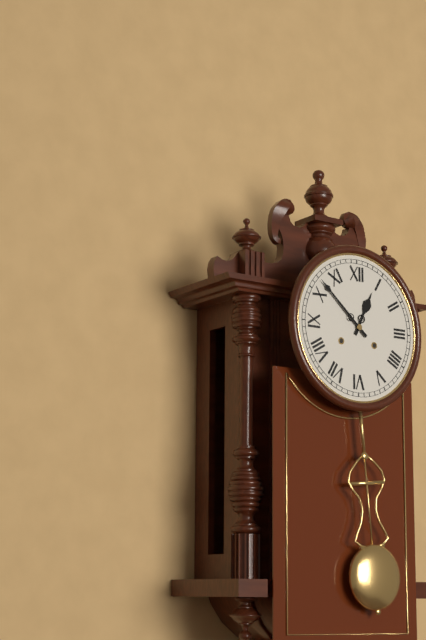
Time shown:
12.52
